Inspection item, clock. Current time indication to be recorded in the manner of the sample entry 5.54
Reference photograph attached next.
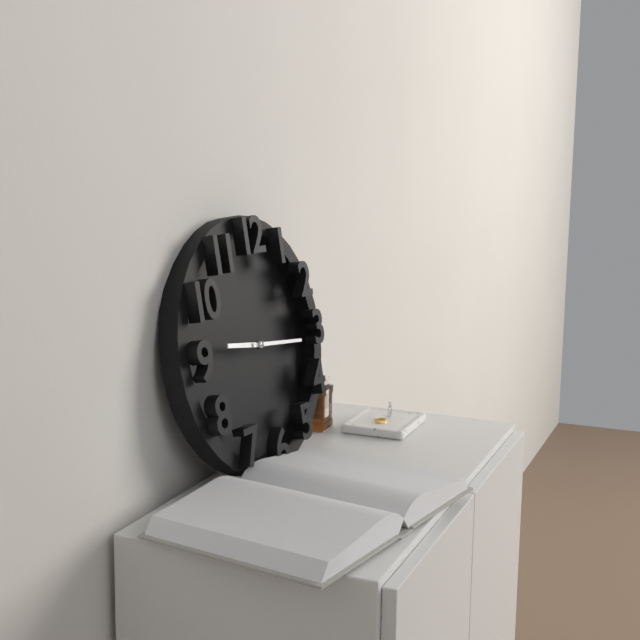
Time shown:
9.16
